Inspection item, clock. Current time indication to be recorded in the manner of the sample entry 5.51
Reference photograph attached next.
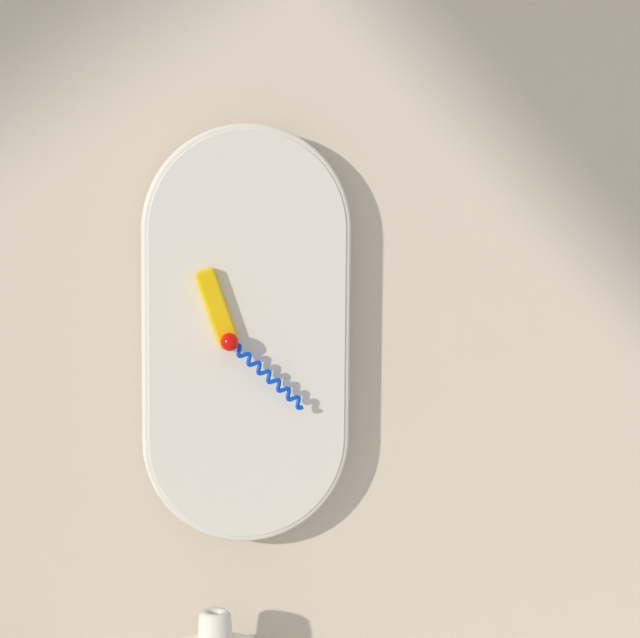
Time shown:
11.22
